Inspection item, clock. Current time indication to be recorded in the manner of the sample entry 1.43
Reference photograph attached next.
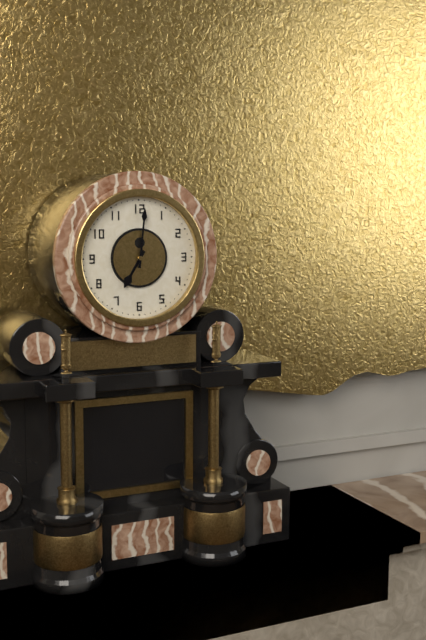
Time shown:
7.01
